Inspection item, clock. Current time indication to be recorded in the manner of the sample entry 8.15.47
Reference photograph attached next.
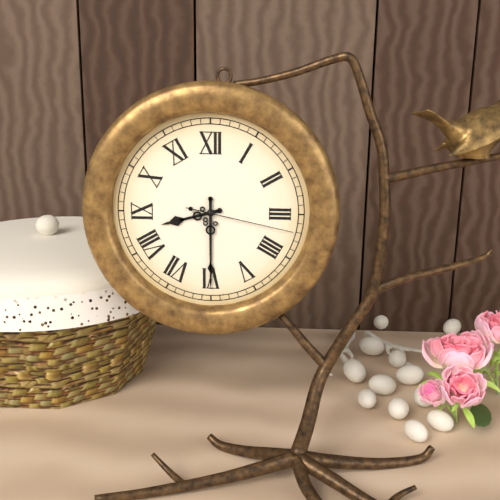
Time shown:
8.30.17
